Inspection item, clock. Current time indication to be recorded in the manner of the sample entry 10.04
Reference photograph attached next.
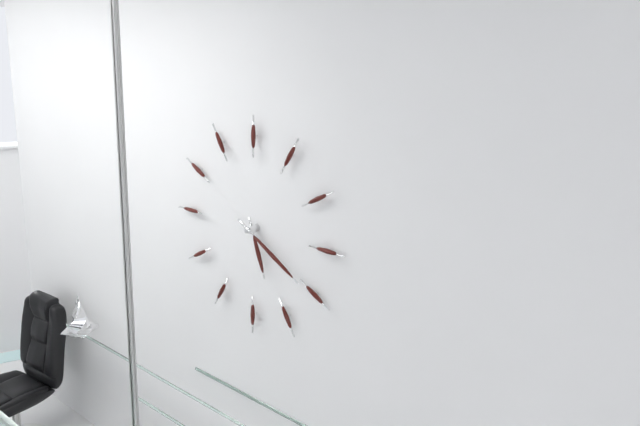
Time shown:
5.20
